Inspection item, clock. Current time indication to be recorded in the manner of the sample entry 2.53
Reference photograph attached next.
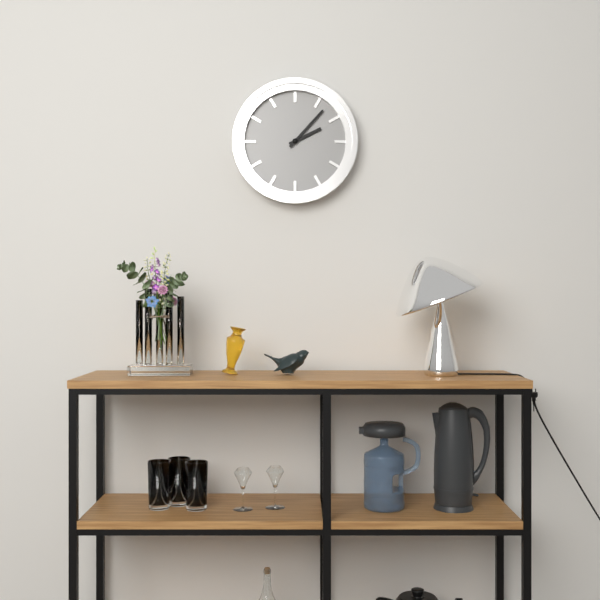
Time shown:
2.07
